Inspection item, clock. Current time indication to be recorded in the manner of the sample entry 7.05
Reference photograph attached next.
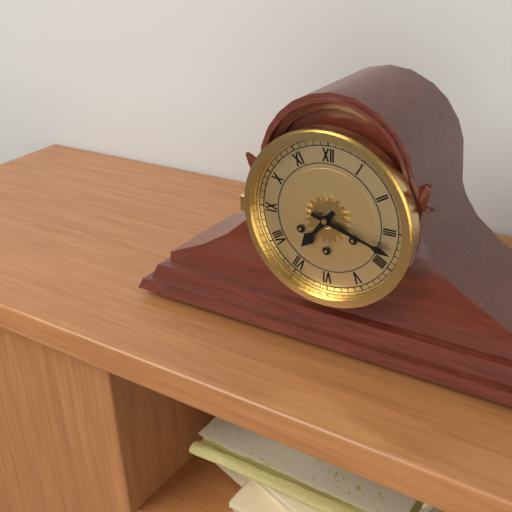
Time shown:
7.18
